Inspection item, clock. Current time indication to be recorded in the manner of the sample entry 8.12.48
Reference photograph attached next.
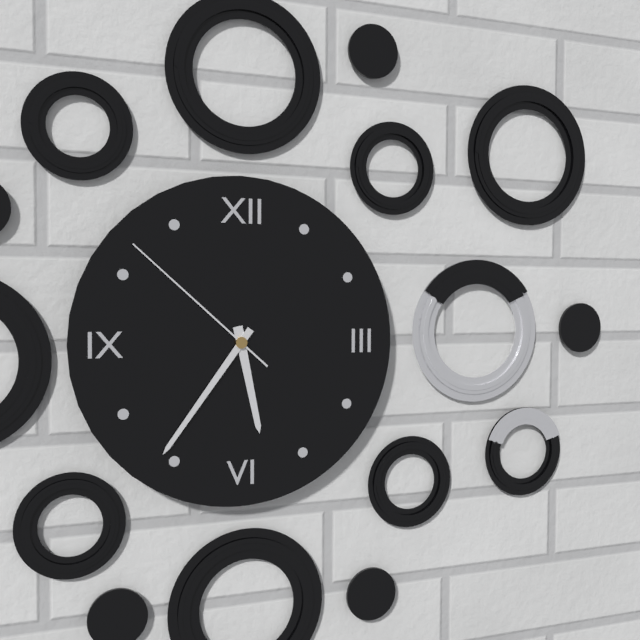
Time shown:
5.36.52
